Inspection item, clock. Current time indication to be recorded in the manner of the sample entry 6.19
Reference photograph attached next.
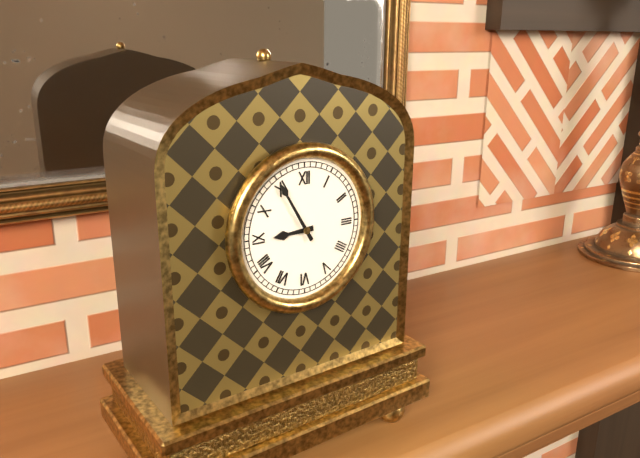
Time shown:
8.55
